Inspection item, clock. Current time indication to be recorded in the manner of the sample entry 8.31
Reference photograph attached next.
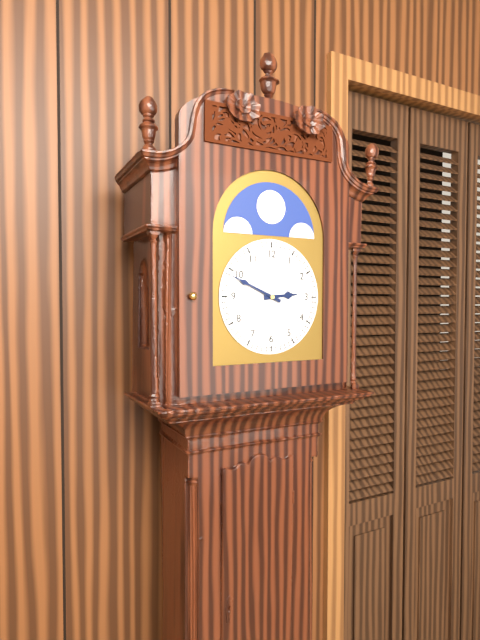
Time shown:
2.49
